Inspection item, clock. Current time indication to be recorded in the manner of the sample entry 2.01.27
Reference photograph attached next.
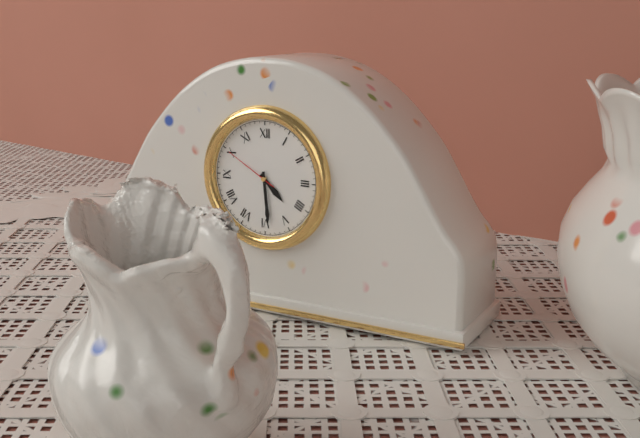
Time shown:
4.29.50
